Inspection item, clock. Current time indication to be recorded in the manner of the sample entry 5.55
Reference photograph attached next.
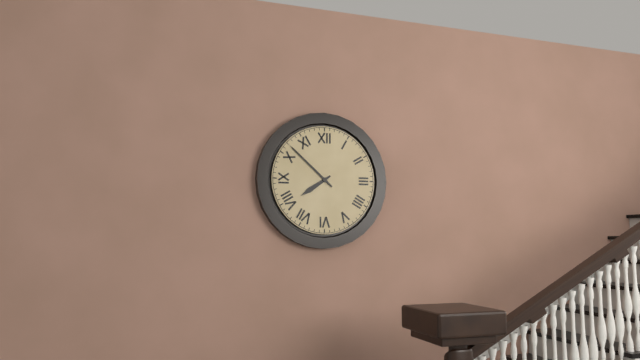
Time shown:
7.52
